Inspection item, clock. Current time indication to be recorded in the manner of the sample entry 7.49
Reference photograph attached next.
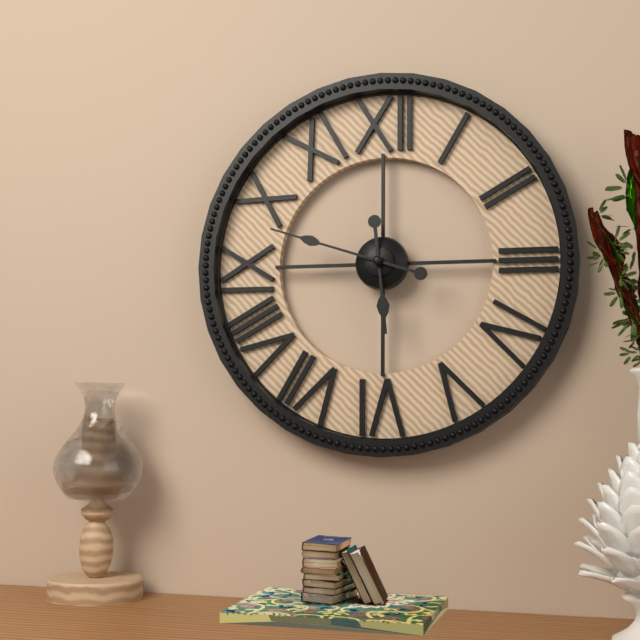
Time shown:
5.48
